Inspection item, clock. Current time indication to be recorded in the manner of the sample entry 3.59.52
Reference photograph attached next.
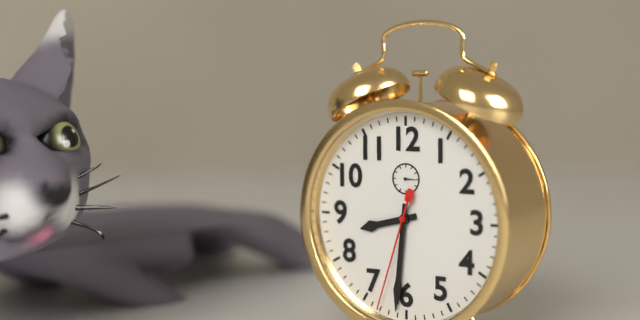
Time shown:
8.31.33
